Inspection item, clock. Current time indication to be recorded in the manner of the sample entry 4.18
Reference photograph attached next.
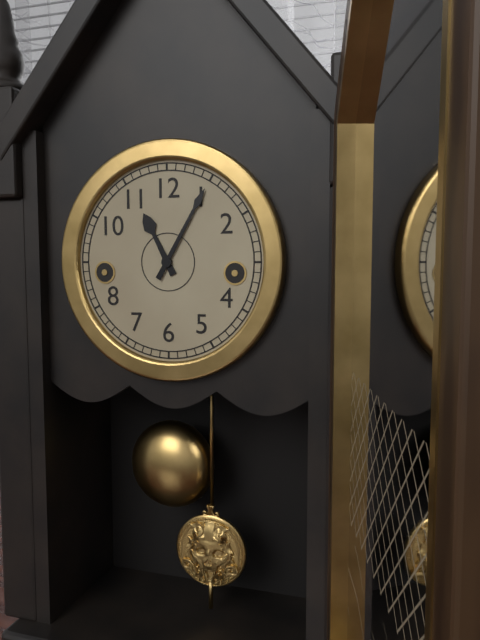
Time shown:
11.05
